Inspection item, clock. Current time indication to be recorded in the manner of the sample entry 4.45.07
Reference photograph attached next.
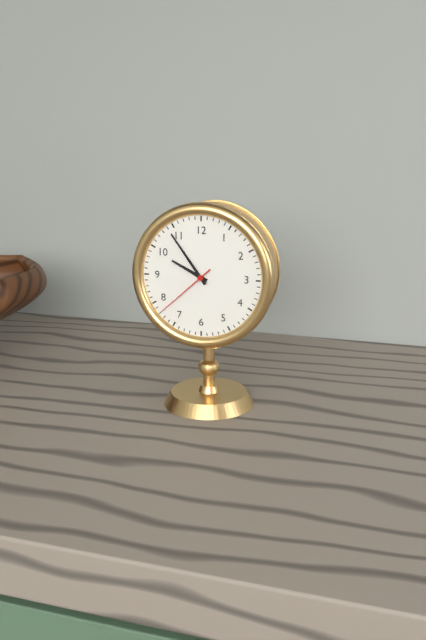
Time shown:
9.54.38
